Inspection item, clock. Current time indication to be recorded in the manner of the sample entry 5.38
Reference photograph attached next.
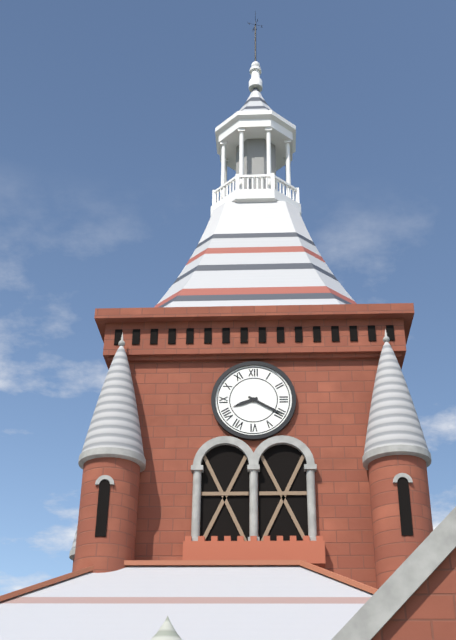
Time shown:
8.20
